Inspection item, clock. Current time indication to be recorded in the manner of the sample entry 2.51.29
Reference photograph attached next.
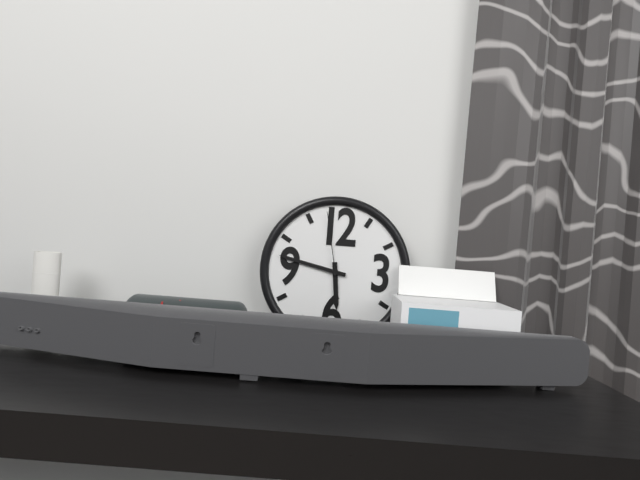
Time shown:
5.47.58
